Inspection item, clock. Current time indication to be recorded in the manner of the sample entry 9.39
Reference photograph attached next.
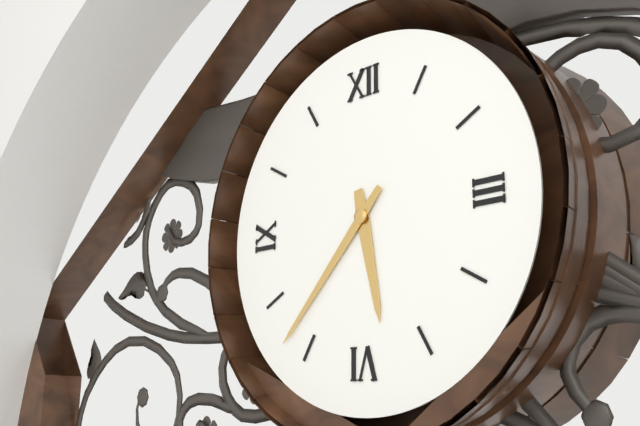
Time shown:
5.37
